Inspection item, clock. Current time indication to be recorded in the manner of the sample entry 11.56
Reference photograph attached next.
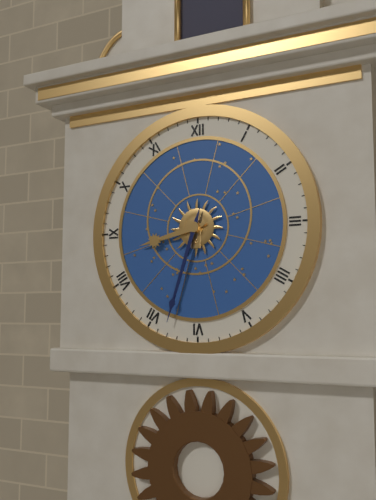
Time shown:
8.33
